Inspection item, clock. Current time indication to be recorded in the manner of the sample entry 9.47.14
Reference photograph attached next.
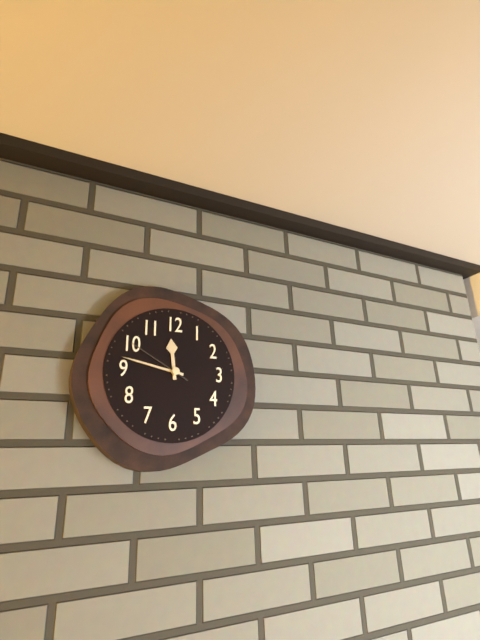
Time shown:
11.47.50
